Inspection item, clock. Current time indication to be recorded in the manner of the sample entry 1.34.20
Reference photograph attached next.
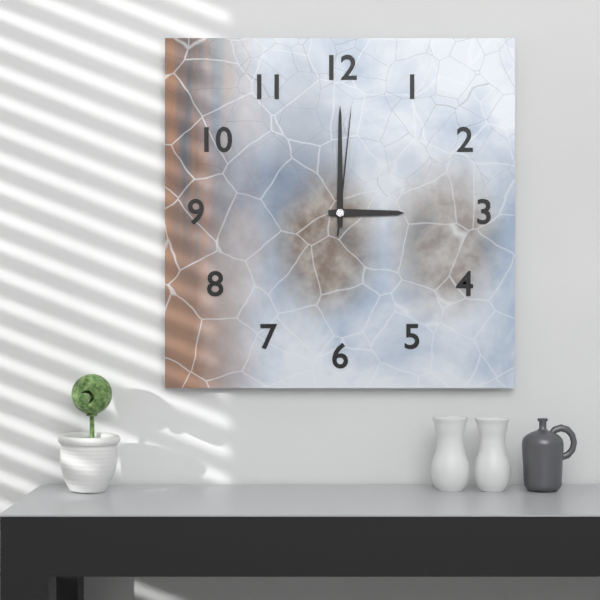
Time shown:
3.00.01
